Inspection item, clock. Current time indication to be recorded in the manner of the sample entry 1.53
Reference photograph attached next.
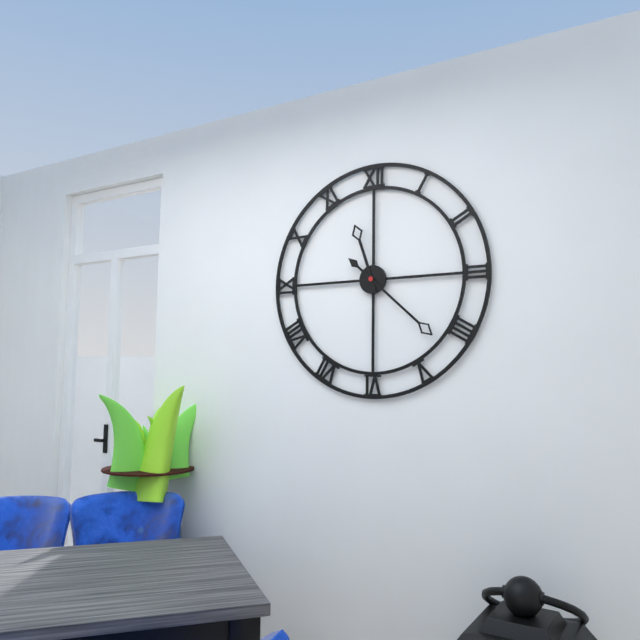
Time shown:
11.22
